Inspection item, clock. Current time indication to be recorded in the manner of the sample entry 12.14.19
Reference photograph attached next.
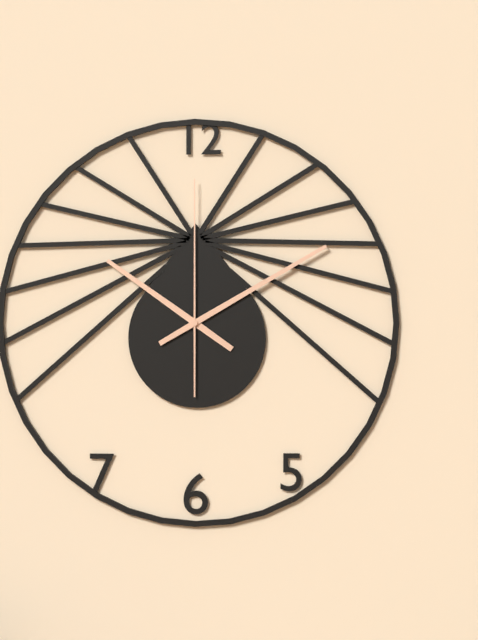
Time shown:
10.10.00
